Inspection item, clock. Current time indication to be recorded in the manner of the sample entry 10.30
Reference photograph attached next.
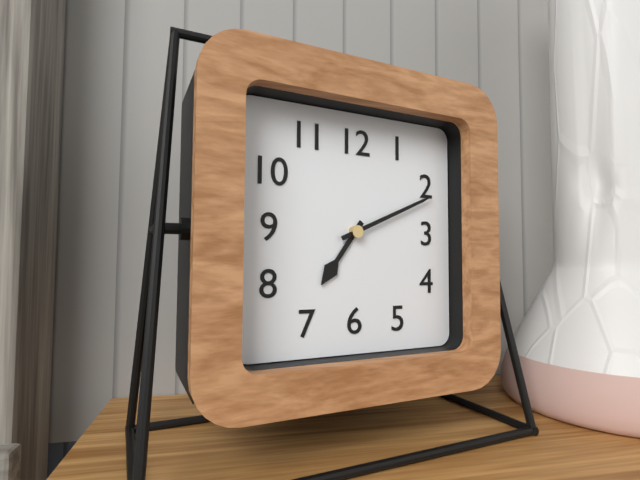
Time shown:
7.11
